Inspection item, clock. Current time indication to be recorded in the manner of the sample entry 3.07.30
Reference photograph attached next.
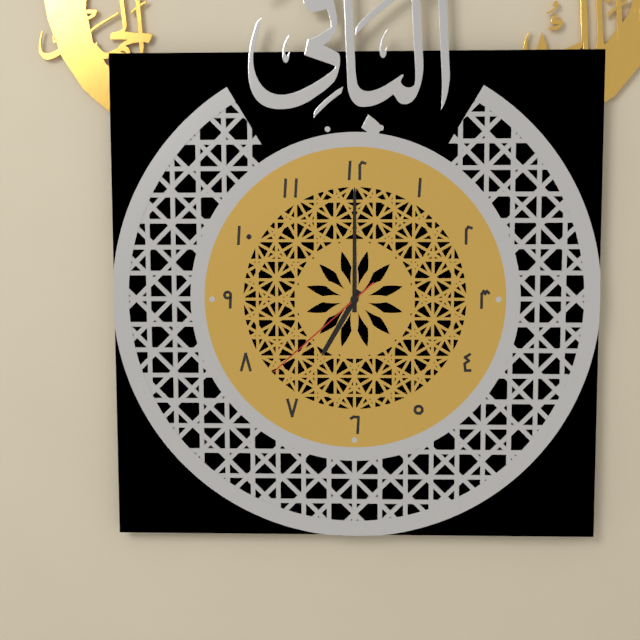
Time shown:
7.00.38
